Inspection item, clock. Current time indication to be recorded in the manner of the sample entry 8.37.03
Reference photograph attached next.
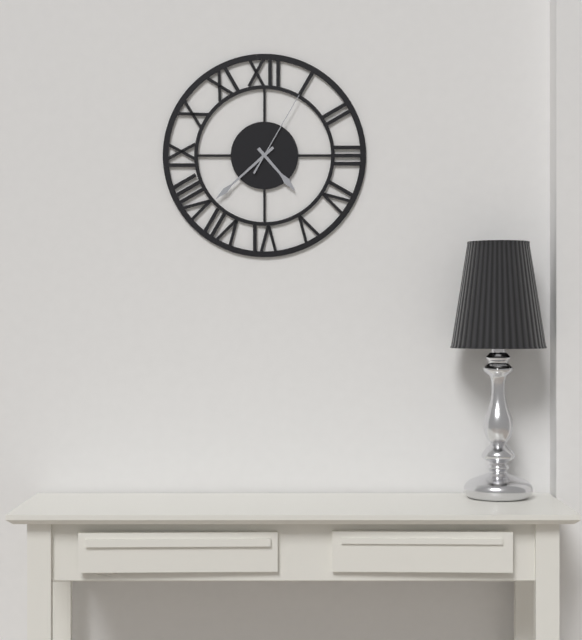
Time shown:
4.38.05
